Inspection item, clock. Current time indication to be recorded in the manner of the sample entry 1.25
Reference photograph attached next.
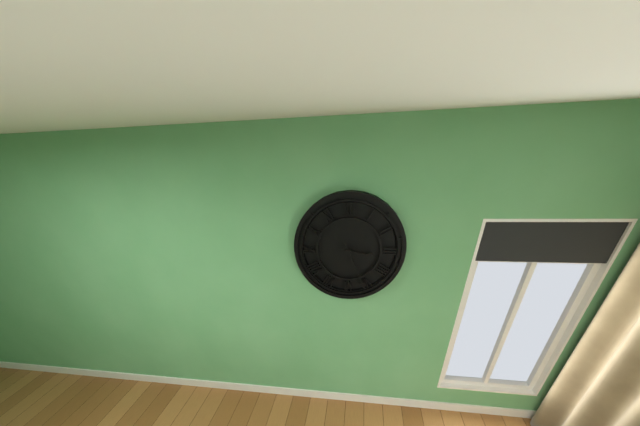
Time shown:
3.26
